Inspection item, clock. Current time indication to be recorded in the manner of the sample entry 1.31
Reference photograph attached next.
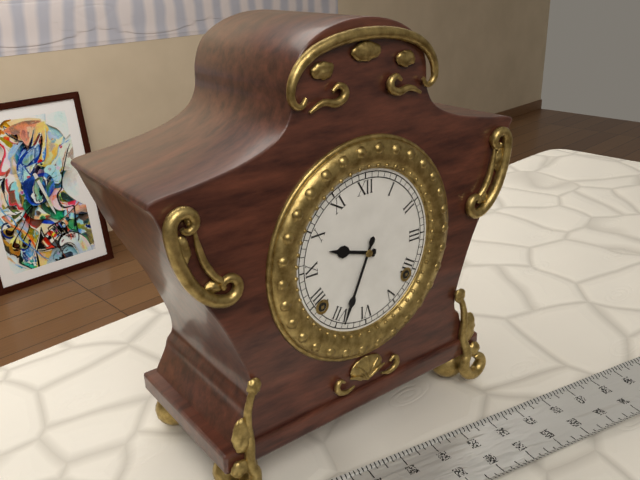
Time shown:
9.34
